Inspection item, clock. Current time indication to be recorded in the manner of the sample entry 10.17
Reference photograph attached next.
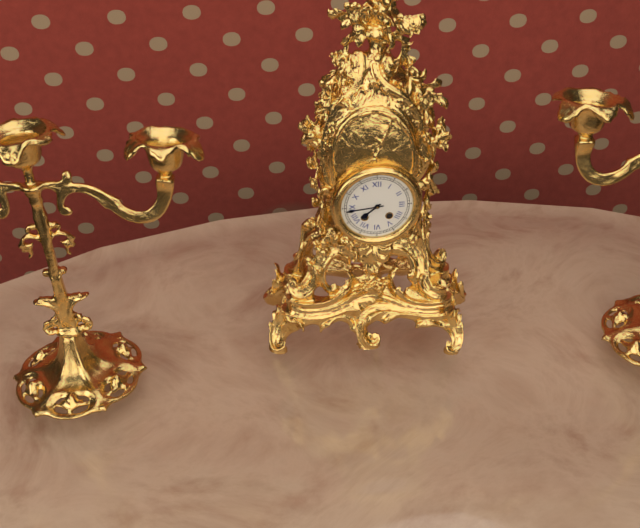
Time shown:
7.44
